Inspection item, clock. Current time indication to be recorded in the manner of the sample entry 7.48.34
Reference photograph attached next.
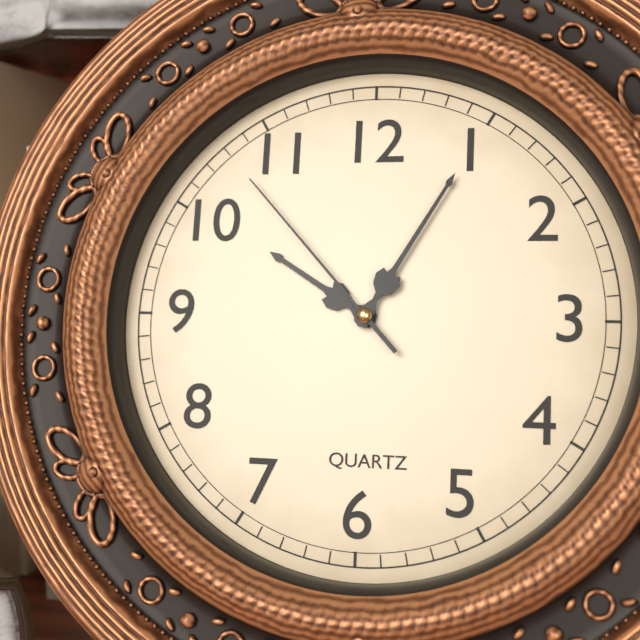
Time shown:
10.05.53
